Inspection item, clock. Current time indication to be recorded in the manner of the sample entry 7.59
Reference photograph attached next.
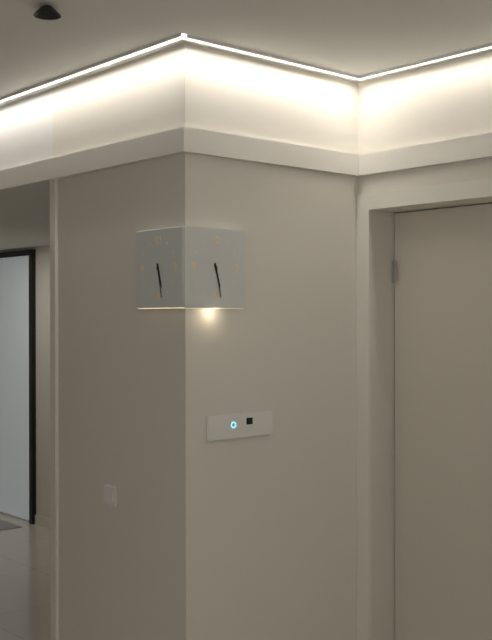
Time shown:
5.28
